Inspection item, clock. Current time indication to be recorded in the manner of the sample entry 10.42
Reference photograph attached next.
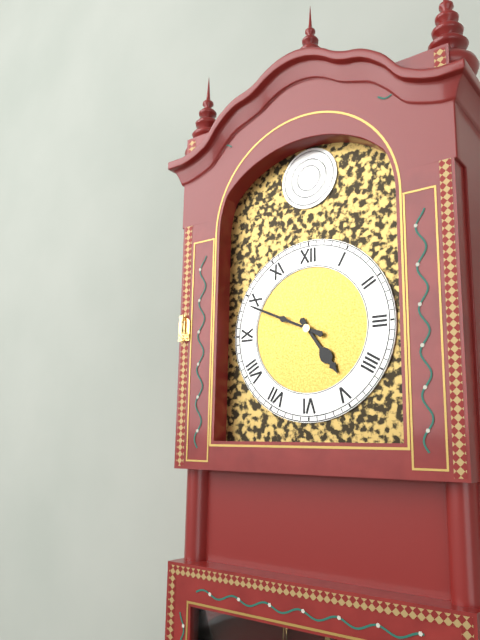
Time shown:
4.49
